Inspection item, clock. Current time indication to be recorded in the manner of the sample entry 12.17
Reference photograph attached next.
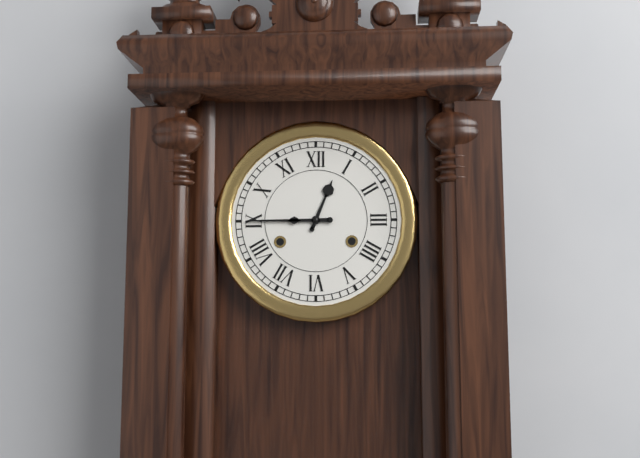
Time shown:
12.45
